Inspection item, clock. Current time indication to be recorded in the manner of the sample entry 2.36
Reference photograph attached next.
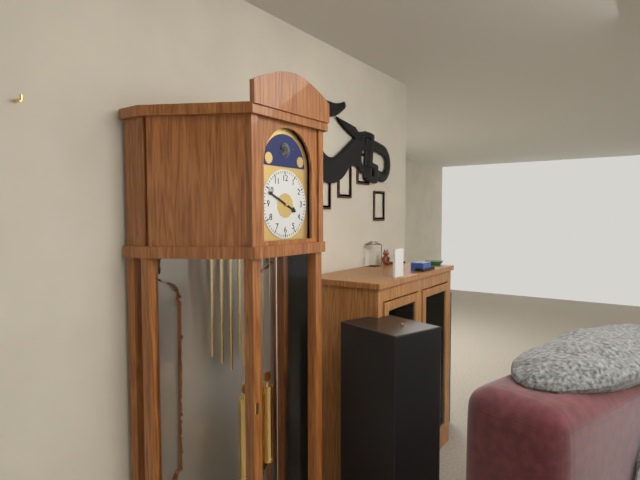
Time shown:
3.49
